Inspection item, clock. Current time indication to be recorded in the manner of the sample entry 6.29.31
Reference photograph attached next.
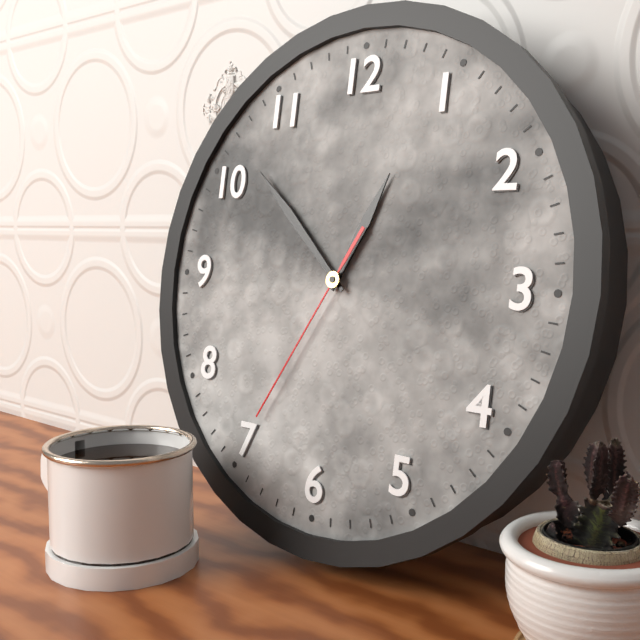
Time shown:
12.52.35
